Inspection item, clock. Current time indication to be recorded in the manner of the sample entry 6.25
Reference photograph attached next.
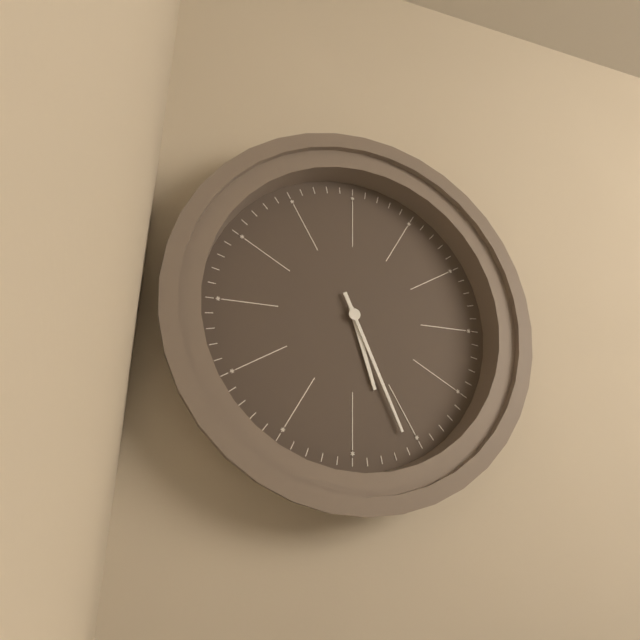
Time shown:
5.26
